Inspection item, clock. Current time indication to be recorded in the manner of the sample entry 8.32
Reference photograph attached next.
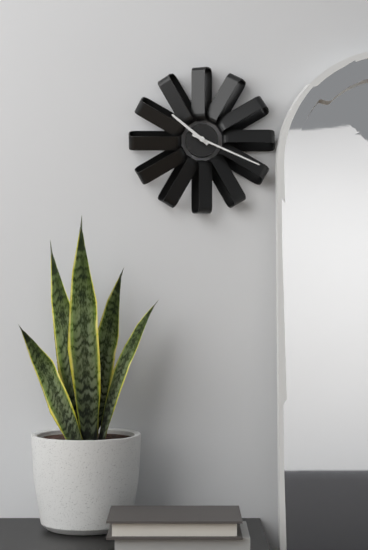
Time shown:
10.19
